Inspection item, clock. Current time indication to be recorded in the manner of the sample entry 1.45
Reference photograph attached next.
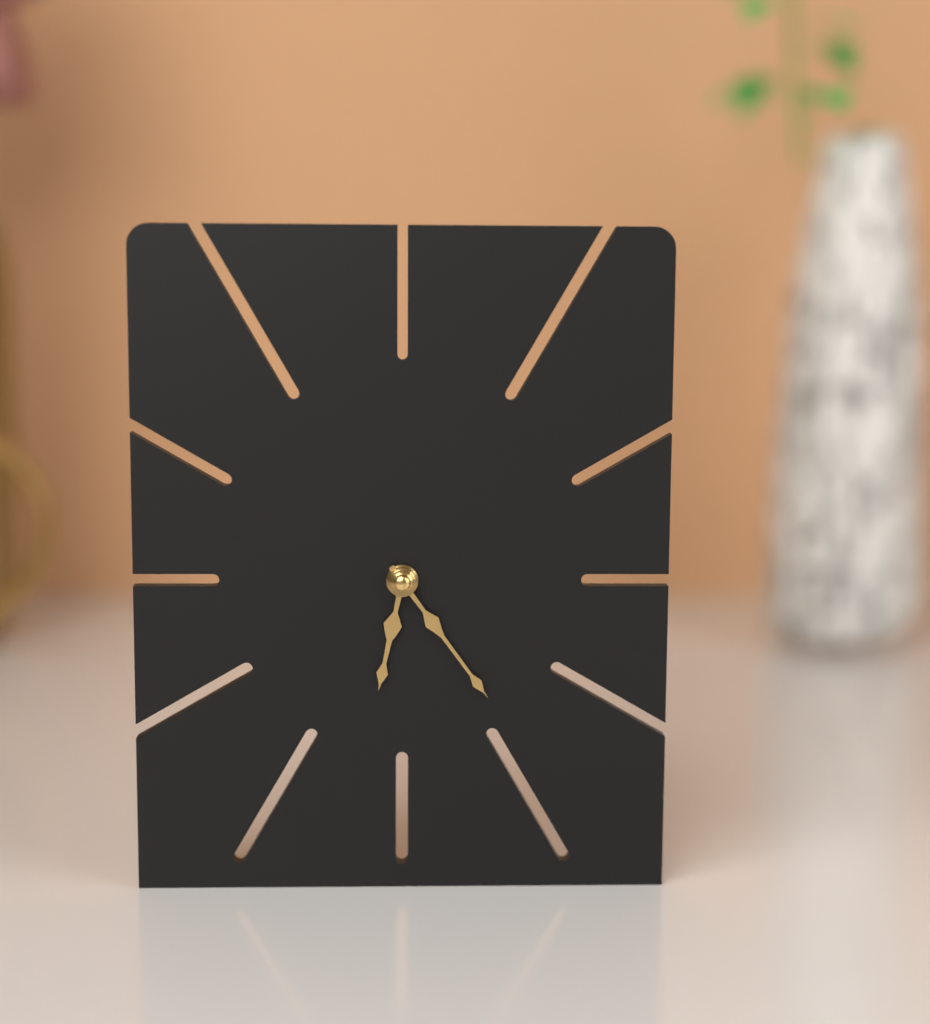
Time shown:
6.24
